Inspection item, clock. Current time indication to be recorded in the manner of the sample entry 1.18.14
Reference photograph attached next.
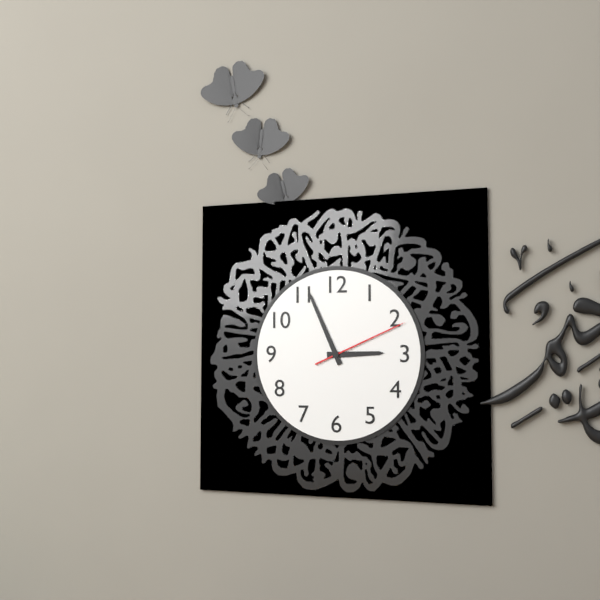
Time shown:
2.56.11
